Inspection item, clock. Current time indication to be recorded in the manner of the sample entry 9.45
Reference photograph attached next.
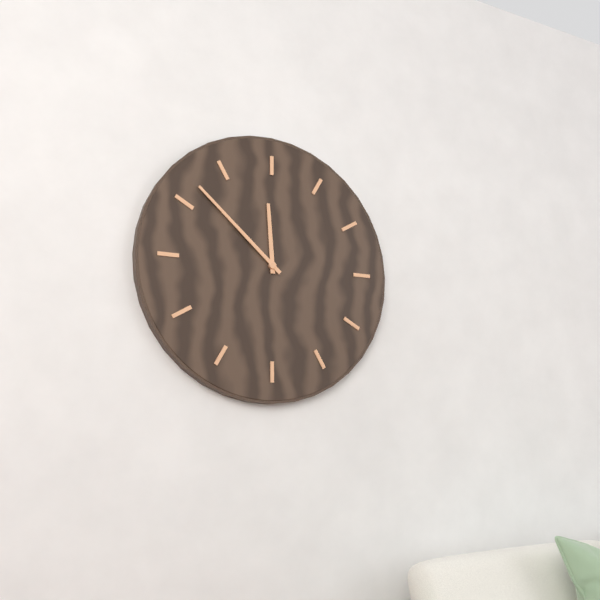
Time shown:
11.52
